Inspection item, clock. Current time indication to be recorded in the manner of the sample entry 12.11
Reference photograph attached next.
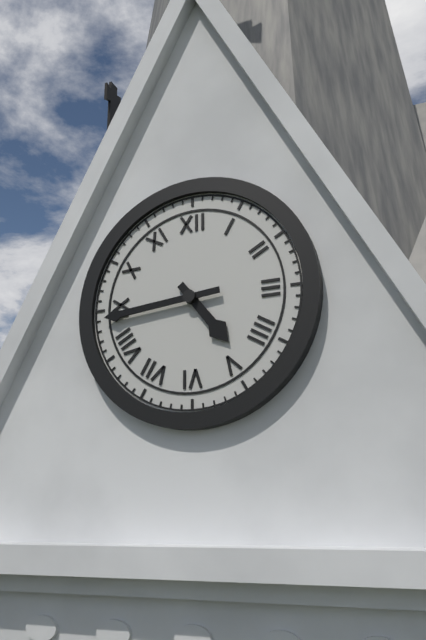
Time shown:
4.44
